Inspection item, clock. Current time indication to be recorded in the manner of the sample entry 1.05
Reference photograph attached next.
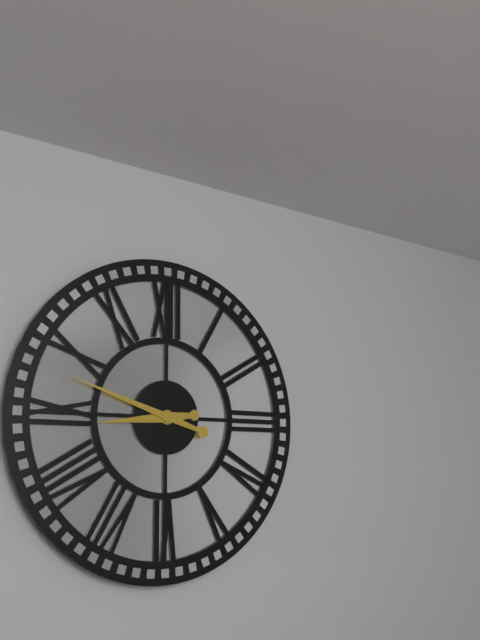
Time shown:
8.48
